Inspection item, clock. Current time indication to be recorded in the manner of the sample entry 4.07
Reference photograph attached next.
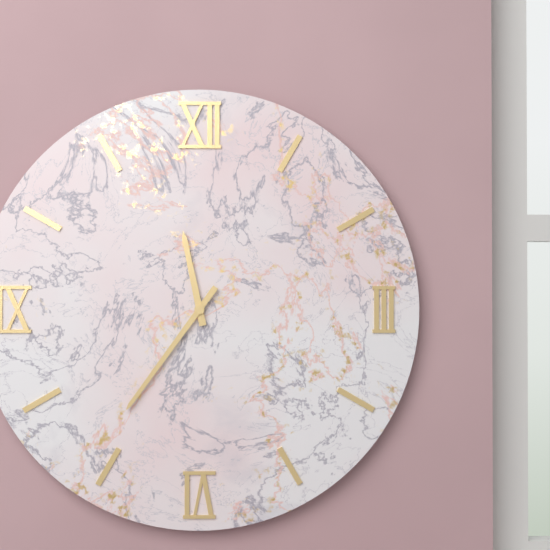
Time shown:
11.36
